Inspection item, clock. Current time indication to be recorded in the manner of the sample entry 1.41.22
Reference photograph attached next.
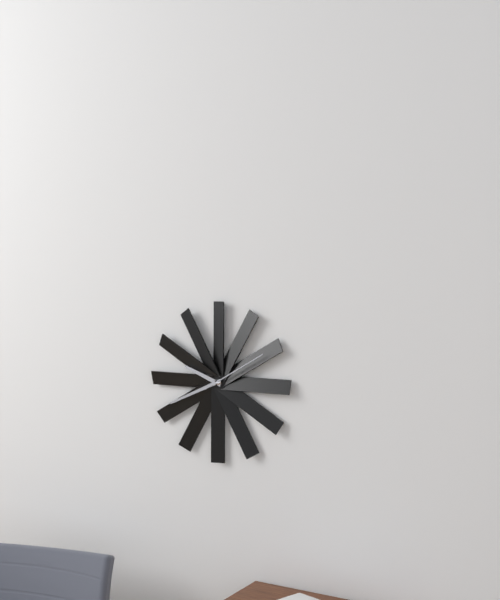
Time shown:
9.41.10
